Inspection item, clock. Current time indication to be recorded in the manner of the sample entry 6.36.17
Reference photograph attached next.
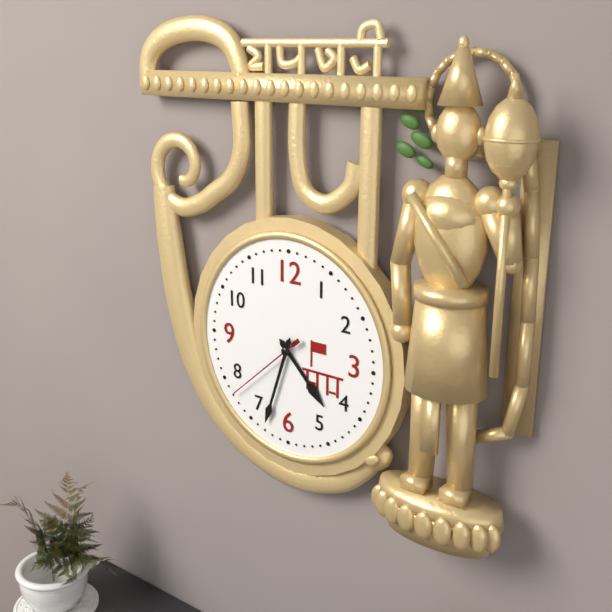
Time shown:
4.33.38
